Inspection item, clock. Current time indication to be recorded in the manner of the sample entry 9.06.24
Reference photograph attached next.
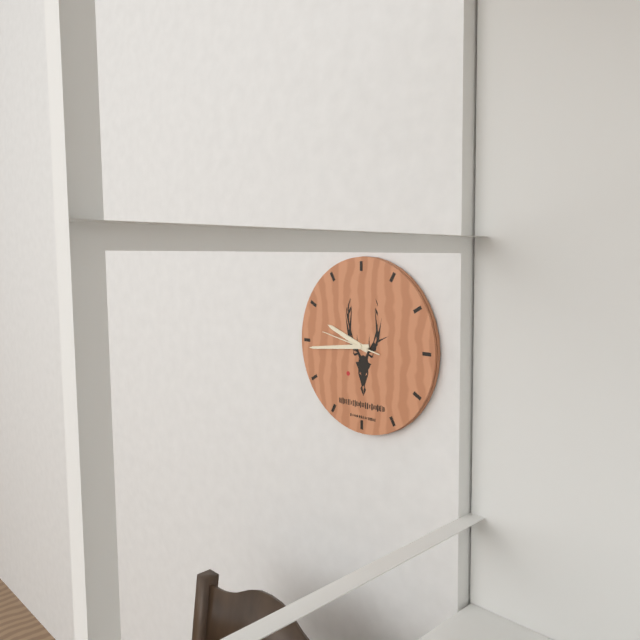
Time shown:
9.44.47
